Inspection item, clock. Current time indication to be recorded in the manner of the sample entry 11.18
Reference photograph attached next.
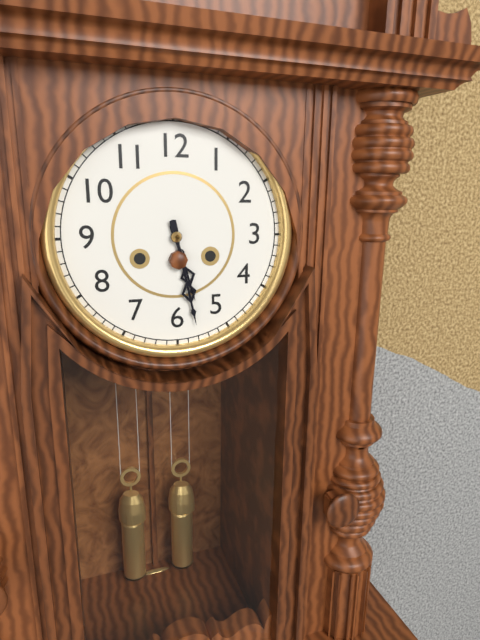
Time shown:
5.28
